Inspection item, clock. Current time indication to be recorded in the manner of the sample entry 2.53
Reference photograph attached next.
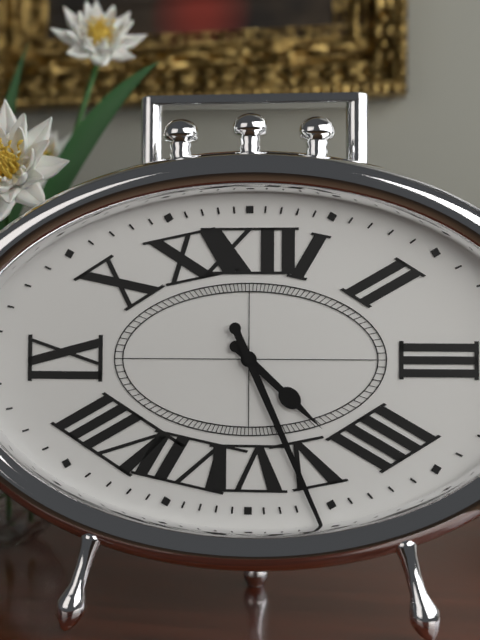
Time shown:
4.26
